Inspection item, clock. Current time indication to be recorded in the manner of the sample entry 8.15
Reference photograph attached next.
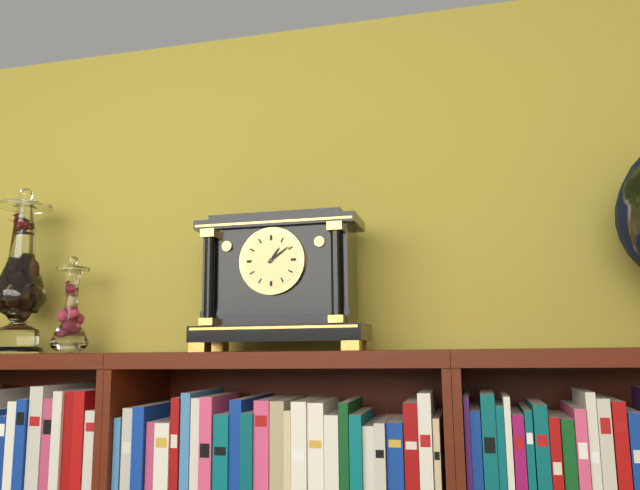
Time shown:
1.09
